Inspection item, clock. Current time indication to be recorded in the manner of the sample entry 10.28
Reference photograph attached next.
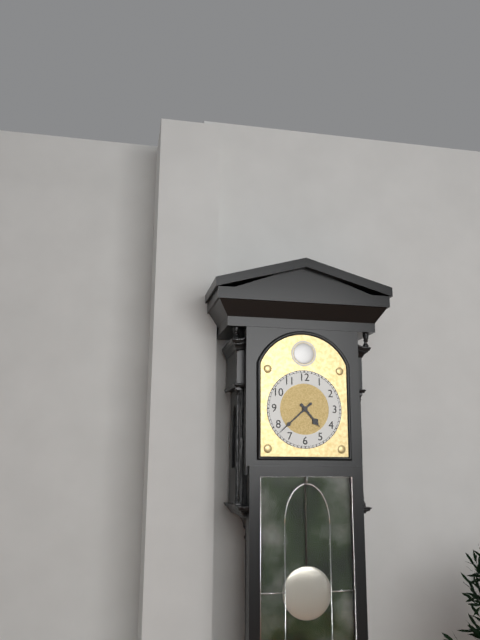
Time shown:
4.38
